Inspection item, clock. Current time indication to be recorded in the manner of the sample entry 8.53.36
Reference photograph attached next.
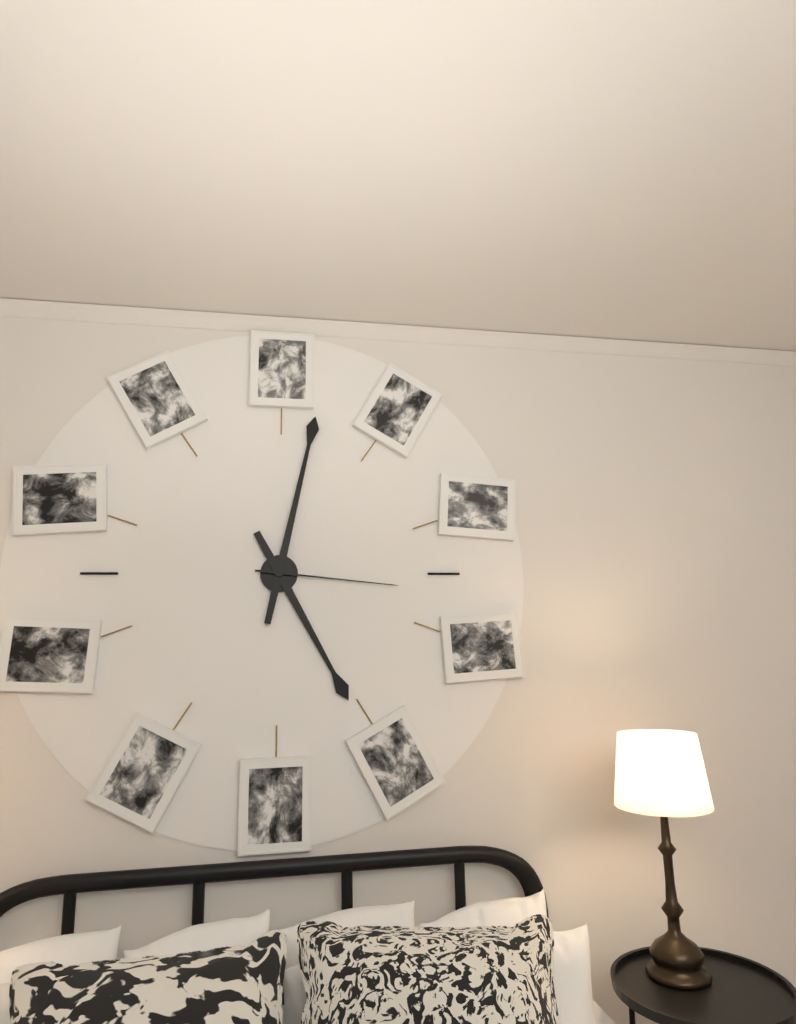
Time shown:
5.02.16
